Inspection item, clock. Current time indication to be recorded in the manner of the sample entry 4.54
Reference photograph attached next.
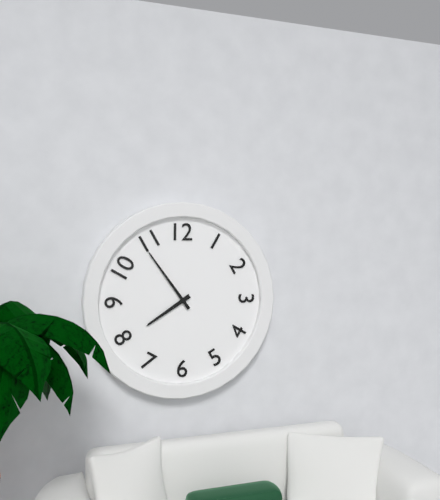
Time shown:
7.54
